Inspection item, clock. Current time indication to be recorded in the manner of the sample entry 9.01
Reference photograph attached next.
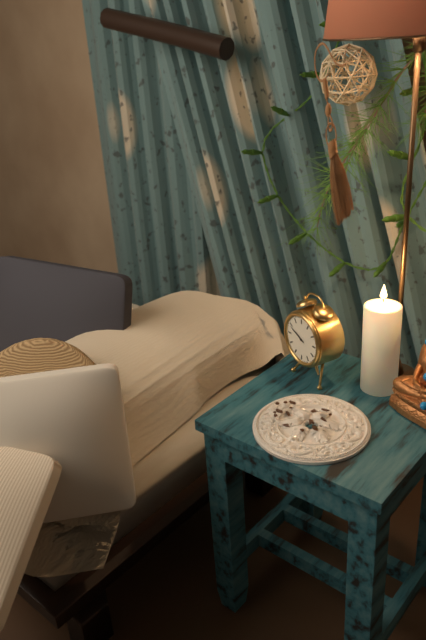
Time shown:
9.49
